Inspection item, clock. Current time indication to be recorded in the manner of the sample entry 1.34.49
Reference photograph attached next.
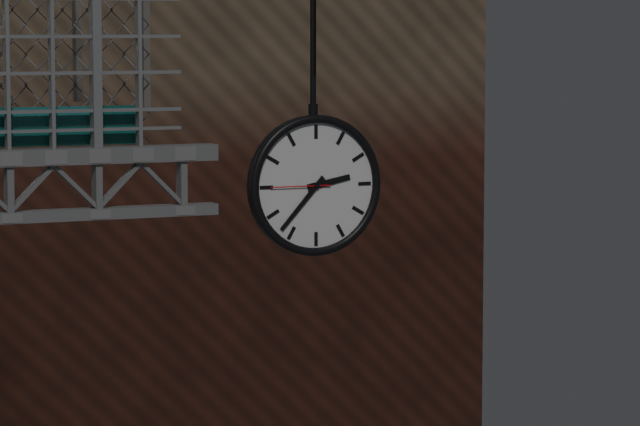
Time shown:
2.37.45
